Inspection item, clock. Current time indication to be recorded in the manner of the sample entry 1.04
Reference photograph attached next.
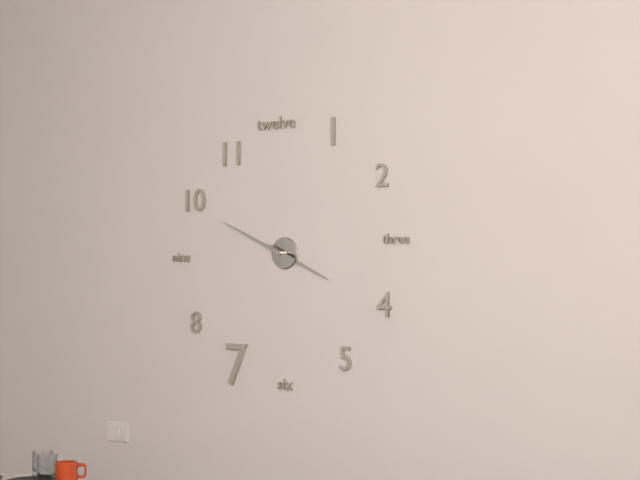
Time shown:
3.49
